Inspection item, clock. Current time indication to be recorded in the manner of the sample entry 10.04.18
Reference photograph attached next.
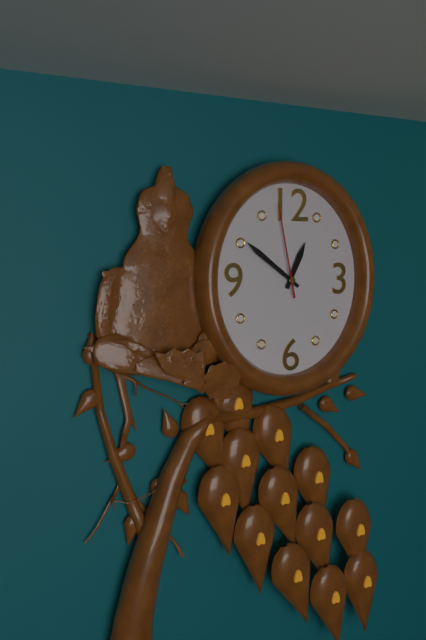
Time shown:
12.51.58
